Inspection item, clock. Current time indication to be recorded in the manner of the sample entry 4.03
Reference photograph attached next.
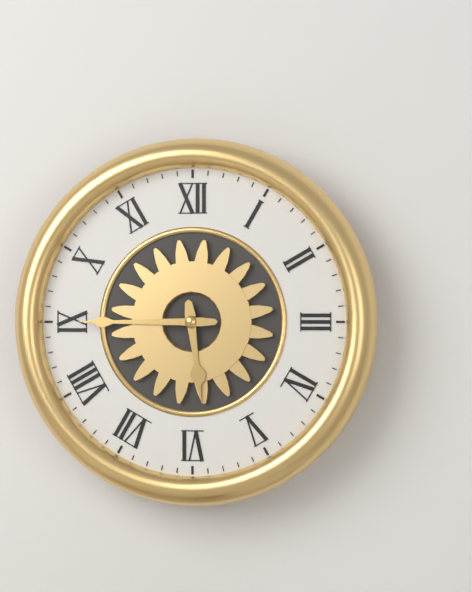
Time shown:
5.45
